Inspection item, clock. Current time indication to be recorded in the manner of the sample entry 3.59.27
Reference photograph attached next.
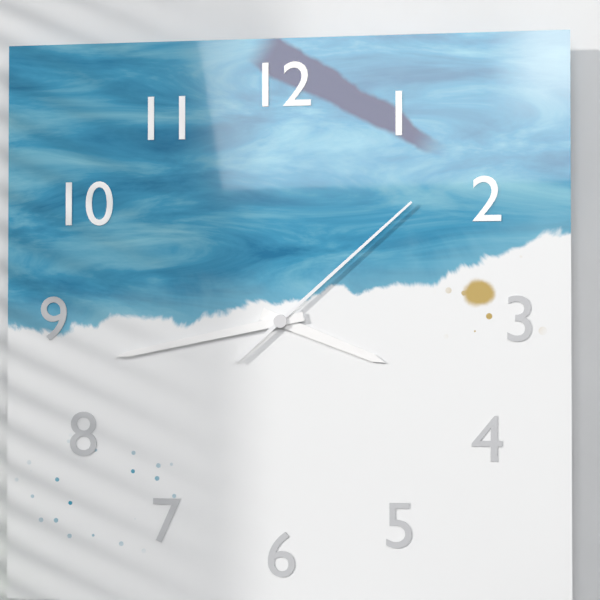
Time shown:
3.43.08
